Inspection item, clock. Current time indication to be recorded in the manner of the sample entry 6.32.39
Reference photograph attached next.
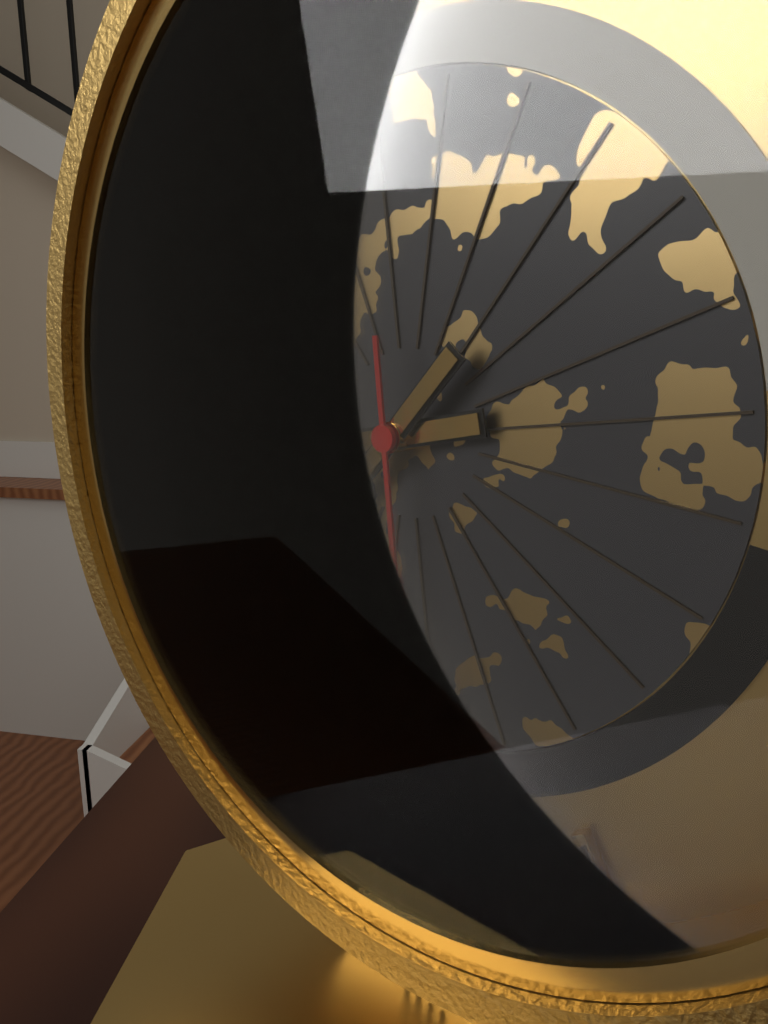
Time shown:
8.37.29
